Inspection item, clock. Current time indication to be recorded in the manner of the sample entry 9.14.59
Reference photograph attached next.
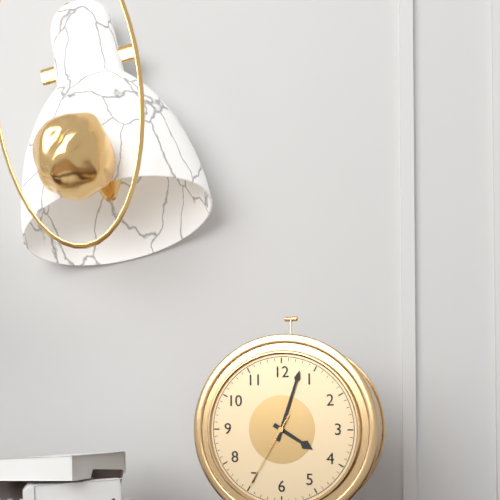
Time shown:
4.03.35
